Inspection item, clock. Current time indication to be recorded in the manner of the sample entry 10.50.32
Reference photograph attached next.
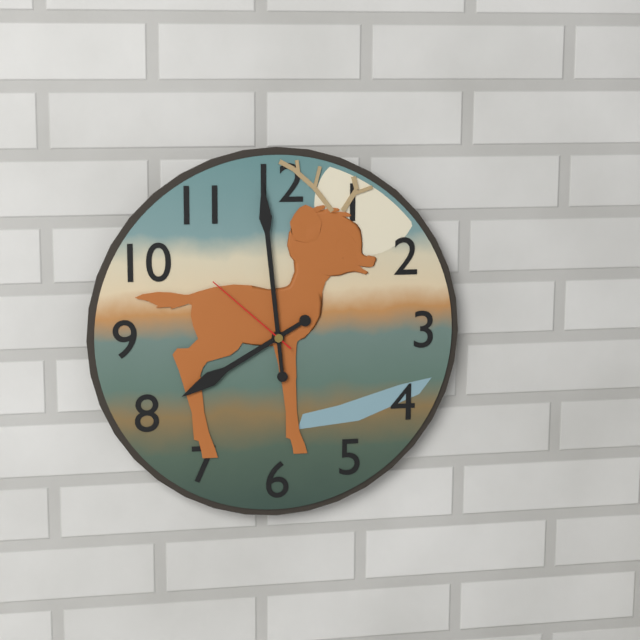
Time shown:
7.59.52
